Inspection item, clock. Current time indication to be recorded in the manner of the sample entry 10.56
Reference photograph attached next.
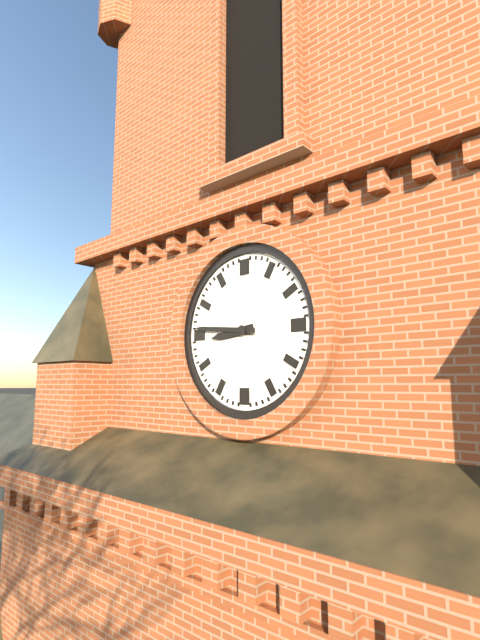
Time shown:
8.46
